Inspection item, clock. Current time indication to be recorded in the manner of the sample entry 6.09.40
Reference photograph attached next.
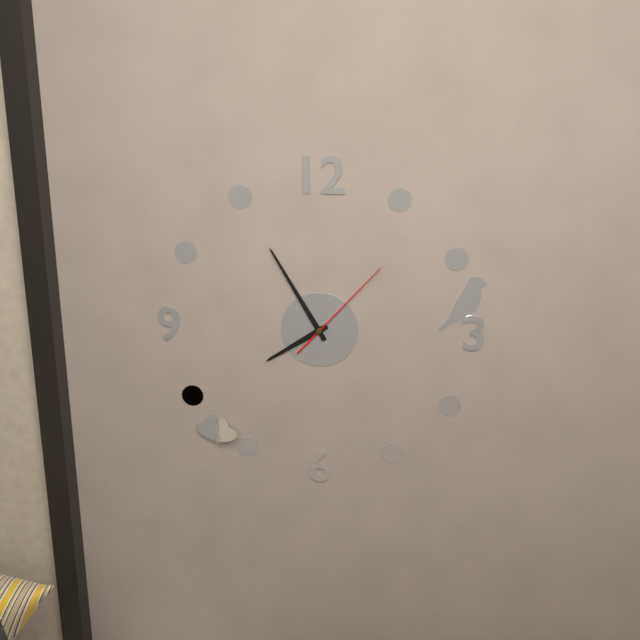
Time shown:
7.55.07
